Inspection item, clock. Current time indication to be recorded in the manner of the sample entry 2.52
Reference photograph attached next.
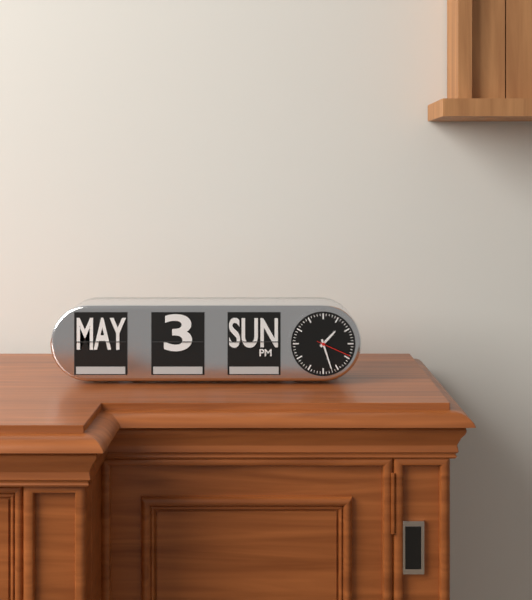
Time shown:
1.27
